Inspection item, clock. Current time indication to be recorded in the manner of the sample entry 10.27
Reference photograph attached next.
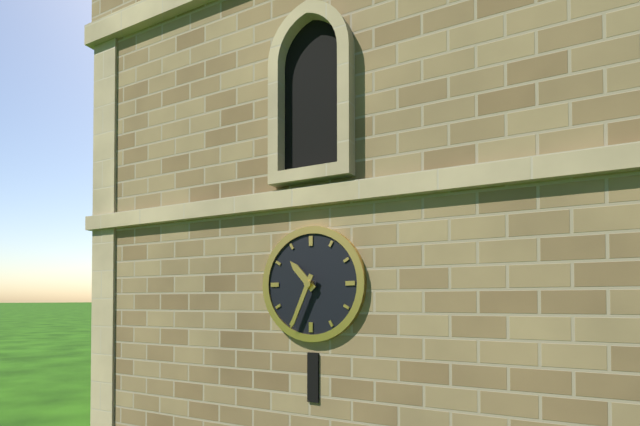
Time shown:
10.34
